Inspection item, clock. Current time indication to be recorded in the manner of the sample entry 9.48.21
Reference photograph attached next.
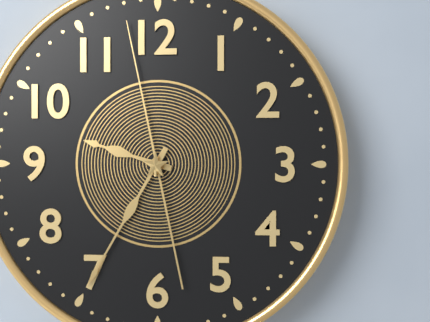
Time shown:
9.35.58
